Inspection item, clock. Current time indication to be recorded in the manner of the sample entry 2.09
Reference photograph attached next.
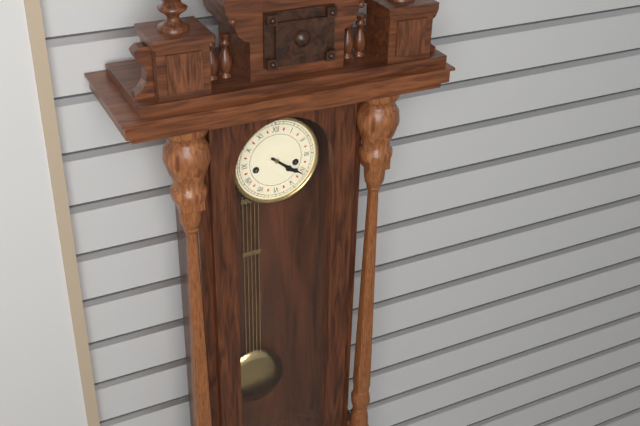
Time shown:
4.21
